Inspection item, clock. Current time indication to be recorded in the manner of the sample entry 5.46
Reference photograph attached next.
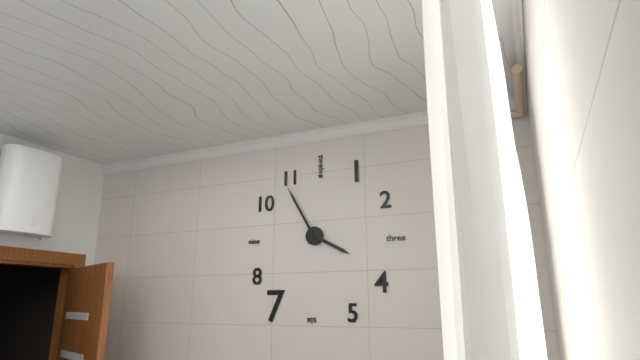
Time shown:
3.55
